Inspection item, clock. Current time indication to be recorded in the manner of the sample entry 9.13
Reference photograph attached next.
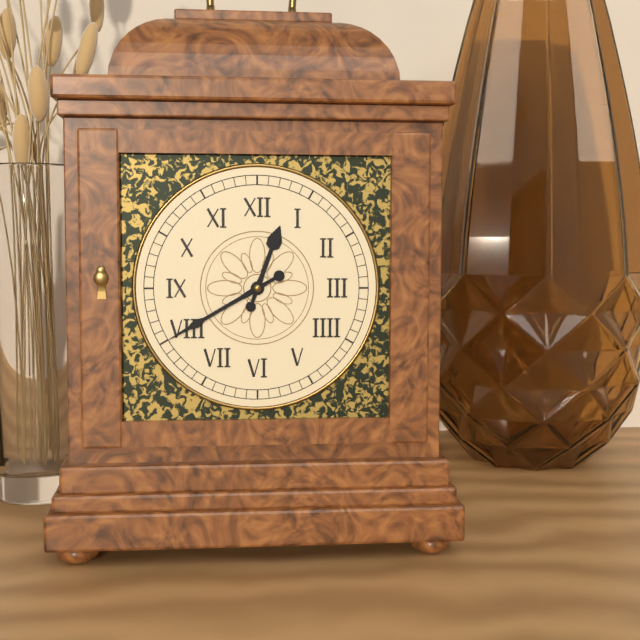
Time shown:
12.40
